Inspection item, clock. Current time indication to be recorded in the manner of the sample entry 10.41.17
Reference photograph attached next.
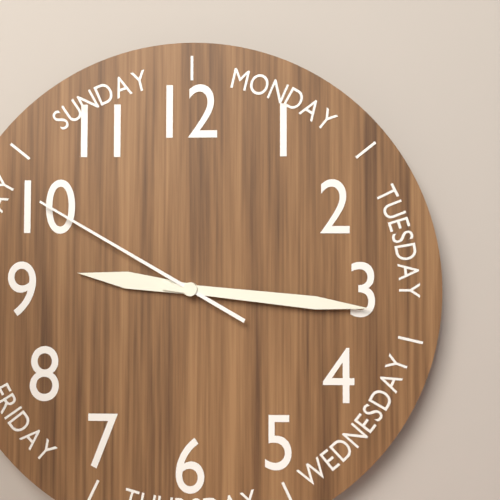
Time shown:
9.16.50
